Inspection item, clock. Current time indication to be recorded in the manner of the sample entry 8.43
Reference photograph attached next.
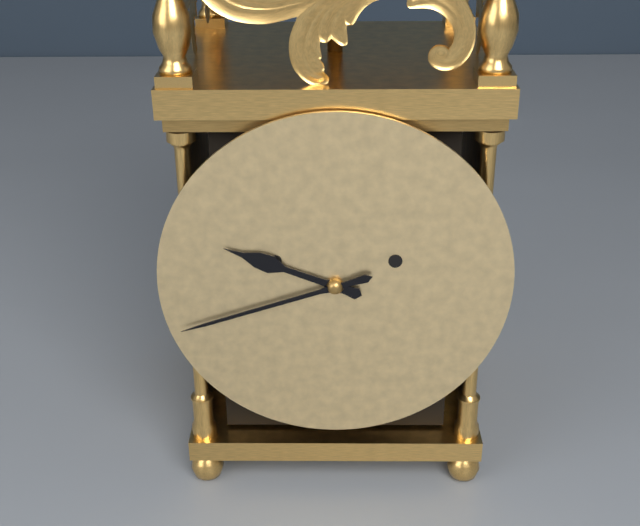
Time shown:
9.42
